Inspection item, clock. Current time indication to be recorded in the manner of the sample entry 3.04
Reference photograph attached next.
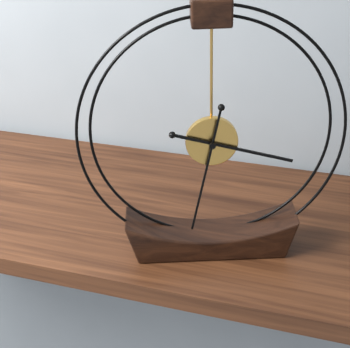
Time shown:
3.32
